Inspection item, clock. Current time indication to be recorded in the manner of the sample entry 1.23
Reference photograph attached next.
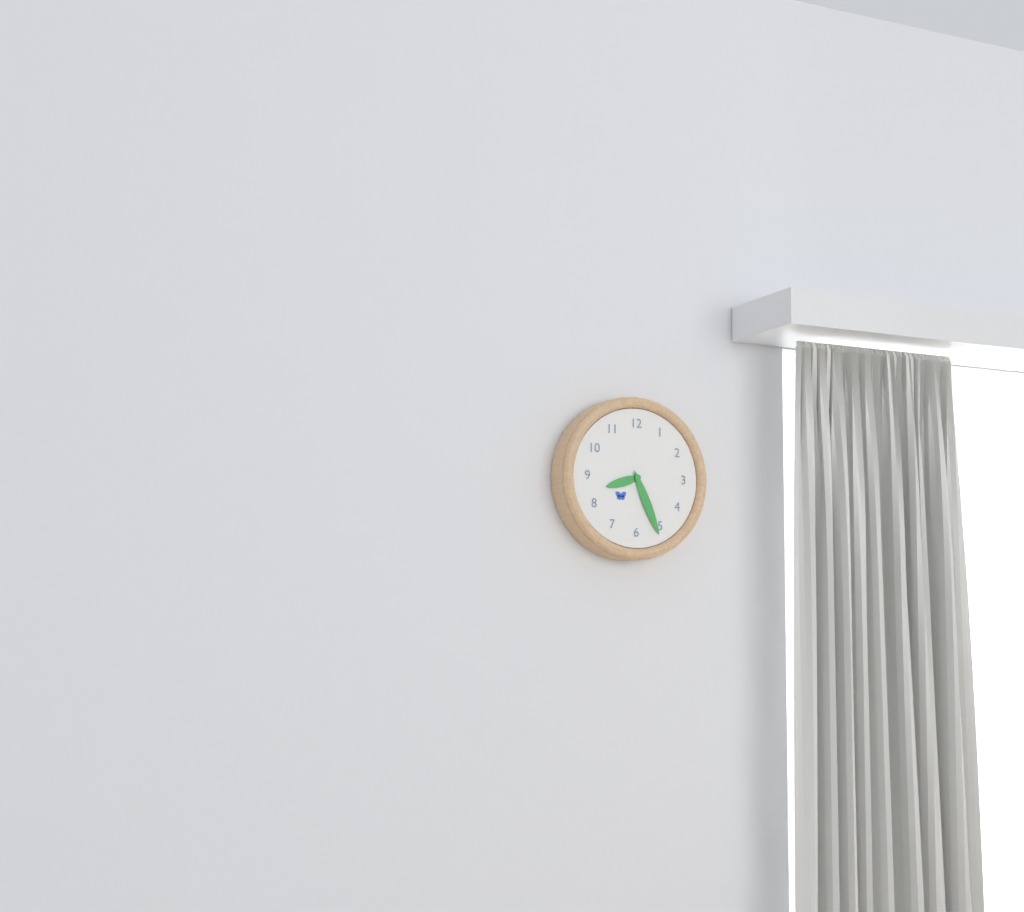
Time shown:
8.26
